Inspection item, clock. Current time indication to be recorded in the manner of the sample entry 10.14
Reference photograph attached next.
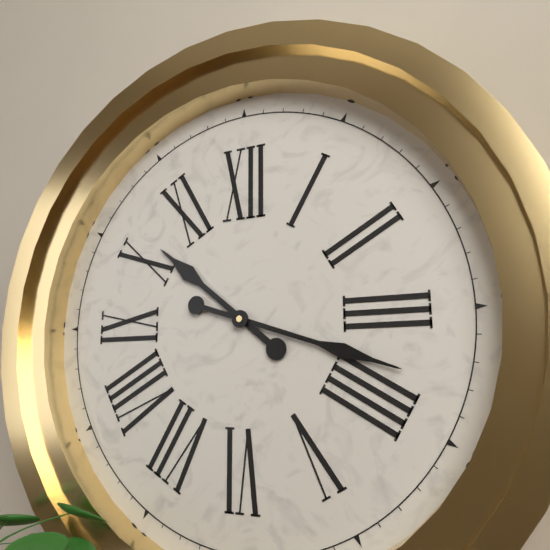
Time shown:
10.18
